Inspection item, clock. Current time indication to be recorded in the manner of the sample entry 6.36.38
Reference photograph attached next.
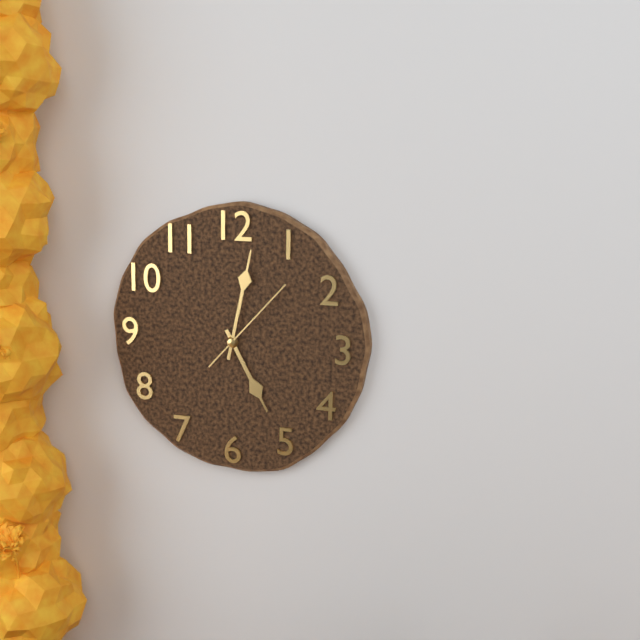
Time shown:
5.02.07
